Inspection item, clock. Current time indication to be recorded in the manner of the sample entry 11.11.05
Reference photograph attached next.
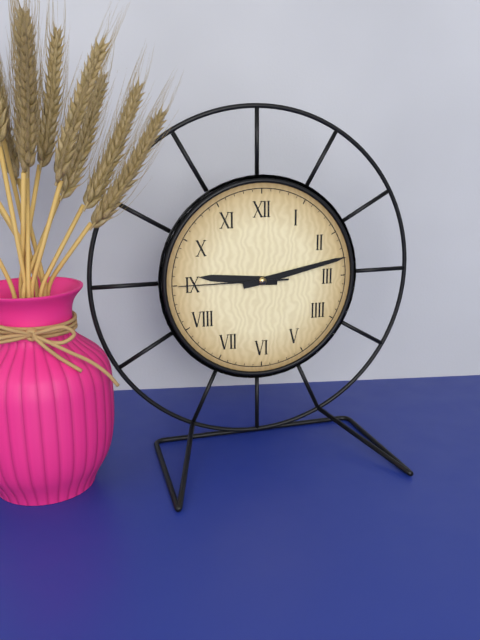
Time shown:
9.13.45
